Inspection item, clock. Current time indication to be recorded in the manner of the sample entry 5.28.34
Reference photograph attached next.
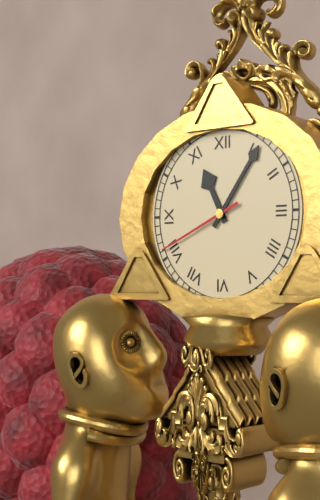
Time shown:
11.06.41
